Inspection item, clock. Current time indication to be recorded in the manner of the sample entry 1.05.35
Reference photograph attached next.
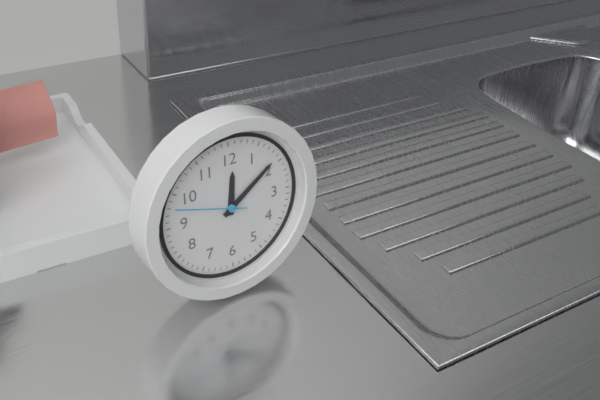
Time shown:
12.09.48
